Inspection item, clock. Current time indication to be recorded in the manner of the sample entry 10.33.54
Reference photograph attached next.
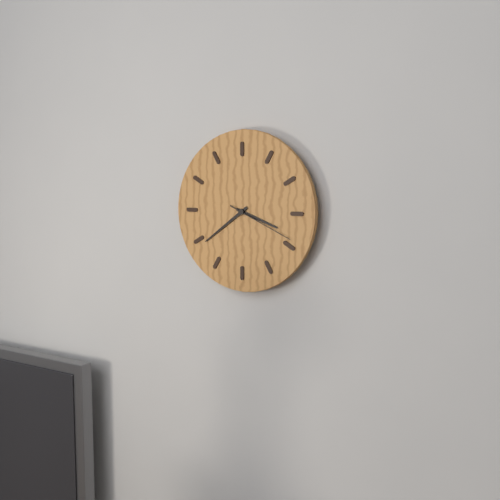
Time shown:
3.39.19
